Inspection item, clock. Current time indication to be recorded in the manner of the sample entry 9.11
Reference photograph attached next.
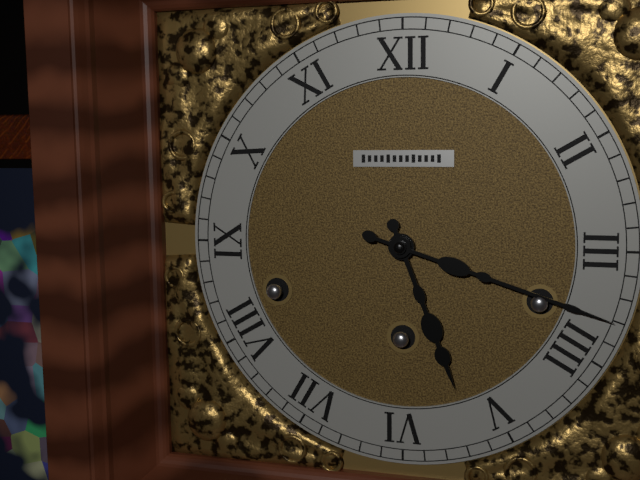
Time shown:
5.18
